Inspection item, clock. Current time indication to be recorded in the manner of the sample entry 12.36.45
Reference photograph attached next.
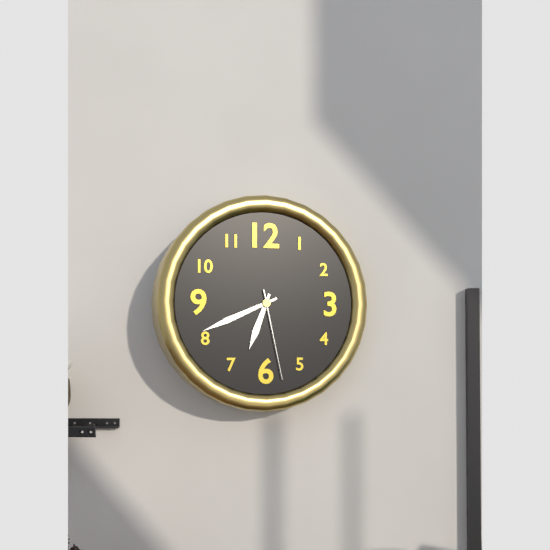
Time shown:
6.41.28
